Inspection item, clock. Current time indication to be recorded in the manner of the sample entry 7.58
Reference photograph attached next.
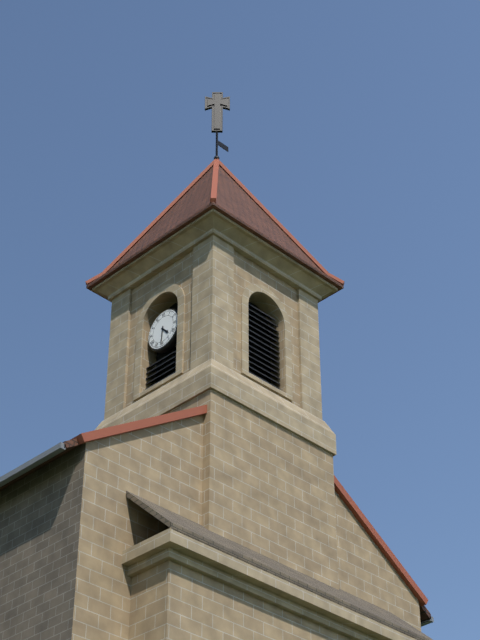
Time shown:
4.31
